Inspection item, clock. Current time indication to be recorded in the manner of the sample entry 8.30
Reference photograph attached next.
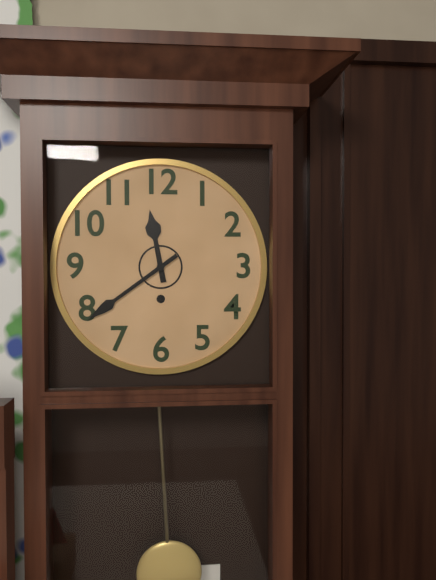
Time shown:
11.39
